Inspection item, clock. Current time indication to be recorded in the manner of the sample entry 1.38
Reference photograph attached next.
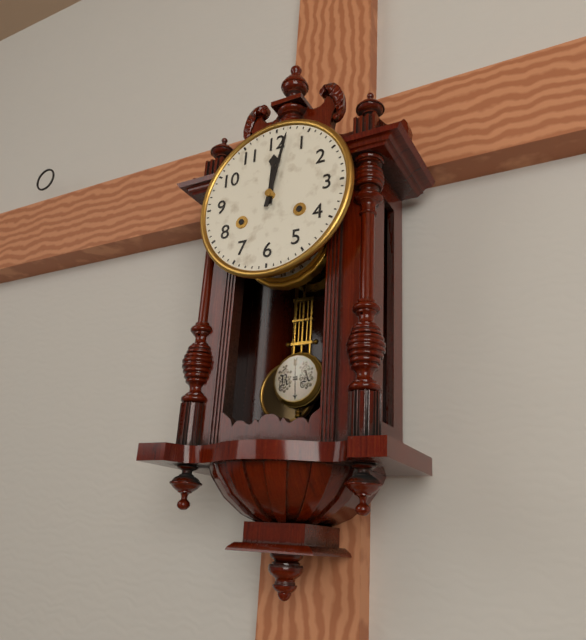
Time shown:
12.02
